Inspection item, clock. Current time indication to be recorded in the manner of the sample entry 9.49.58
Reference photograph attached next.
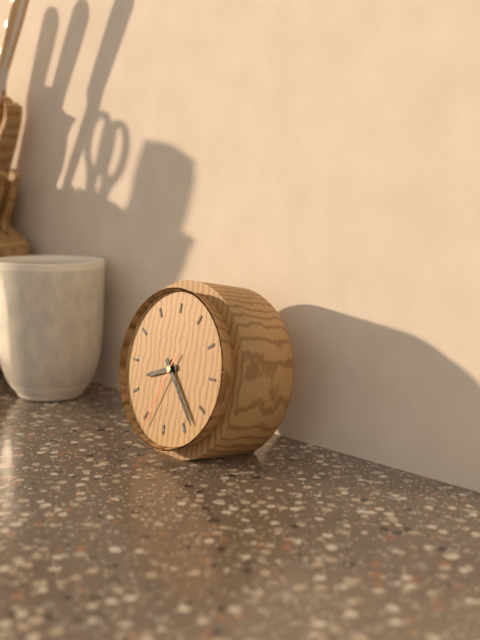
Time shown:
8.23.34
